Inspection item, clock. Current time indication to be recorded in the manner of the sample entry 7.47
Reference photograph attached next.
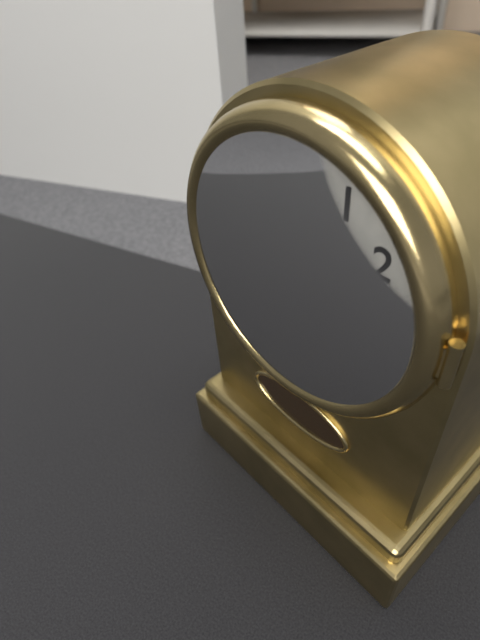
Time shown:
5.41
